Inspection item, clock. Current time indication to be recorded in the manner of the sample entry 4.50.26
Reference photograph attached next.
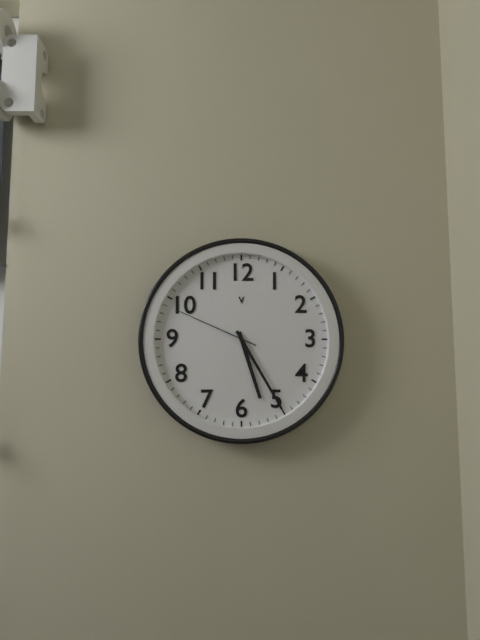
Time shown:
5.25.49
